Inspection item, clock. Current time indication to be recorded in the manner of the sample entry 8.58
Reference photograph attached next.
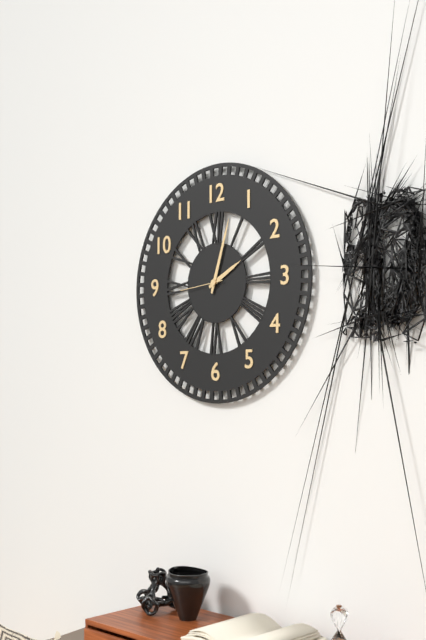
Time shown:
2.03
